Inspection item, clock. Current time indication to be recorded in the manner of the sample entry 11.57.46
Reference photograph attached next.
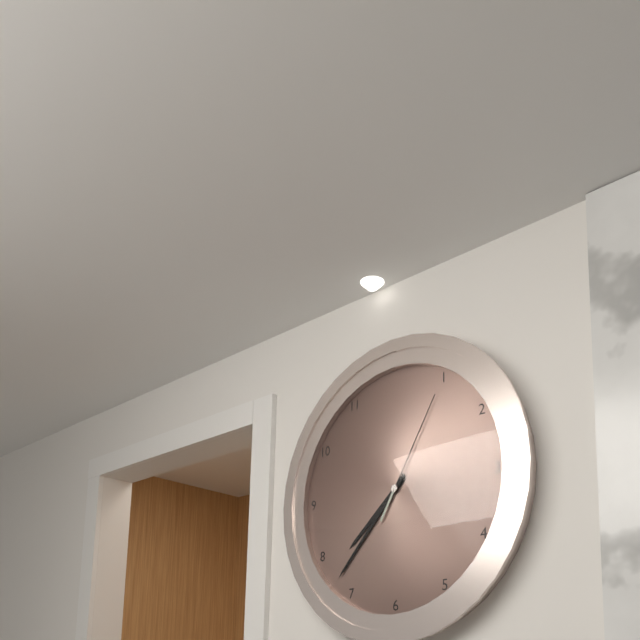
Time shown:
7.37.05
